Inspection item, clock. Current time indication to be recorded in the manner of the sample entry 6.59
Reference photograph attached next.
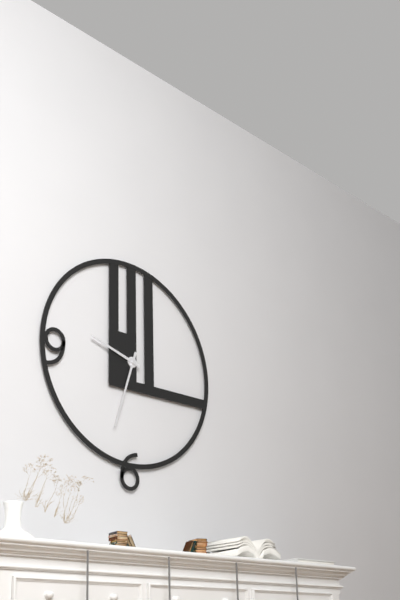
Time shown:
9.33
